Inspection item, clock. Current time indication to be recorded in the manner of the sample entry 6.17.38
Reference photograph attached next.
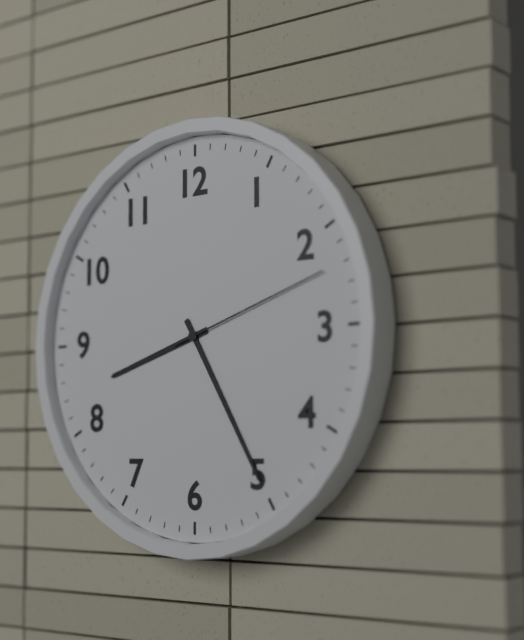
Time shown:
8.25.12
